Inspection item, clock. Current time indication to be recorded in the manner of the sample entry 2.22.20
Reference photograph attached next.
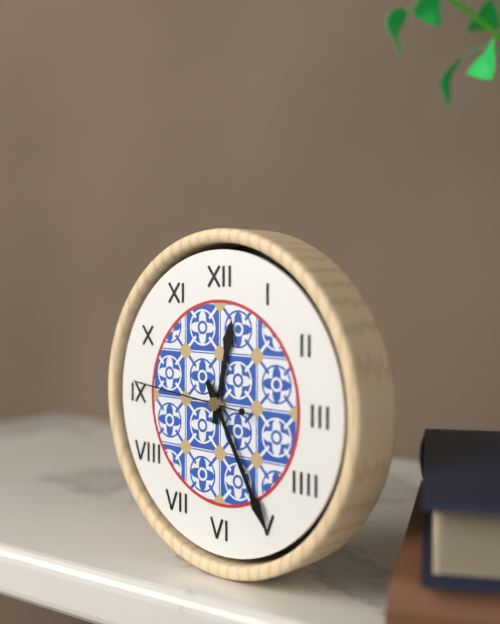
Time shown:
12.25.46
